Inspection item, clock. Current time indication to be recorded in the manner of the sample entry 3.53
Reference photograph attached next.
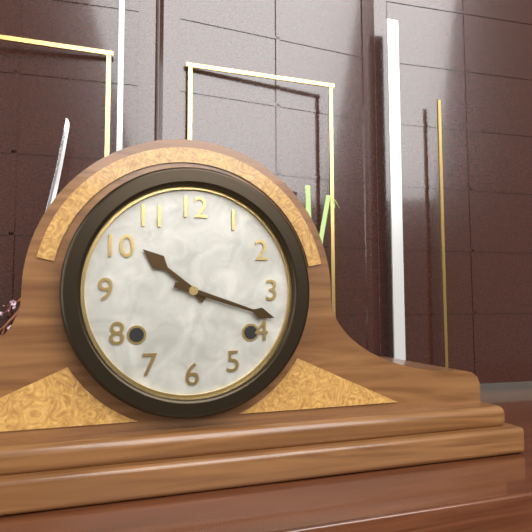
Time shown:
10.18
